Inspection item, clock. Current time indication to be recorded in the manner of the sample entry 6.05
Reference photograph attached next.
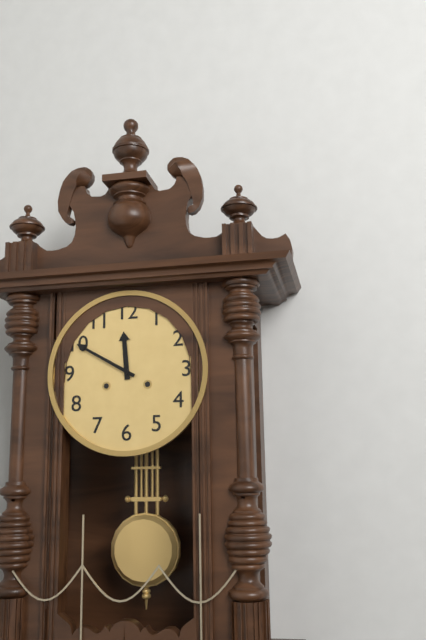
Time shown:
11.50
